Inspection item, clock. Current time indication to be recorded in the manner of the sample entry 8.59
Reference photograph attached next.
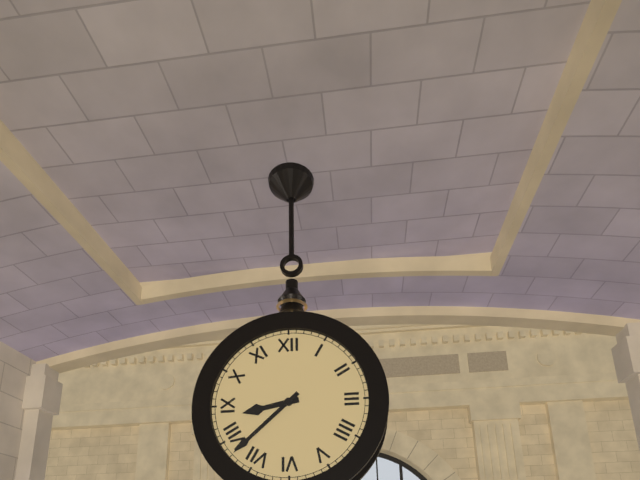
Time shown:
8.38
